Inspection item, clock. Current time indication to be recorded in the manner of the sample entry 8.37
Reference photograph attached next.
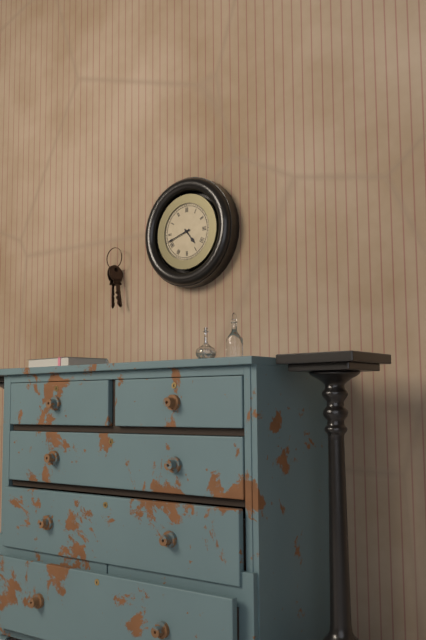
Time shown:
4.42
